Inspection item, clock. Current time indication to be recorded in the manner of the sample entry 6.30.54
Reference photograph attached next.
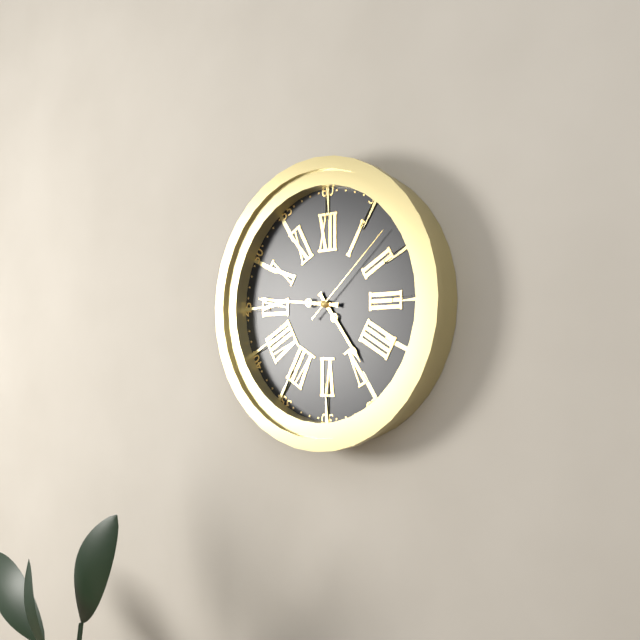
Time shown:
4.46.08
